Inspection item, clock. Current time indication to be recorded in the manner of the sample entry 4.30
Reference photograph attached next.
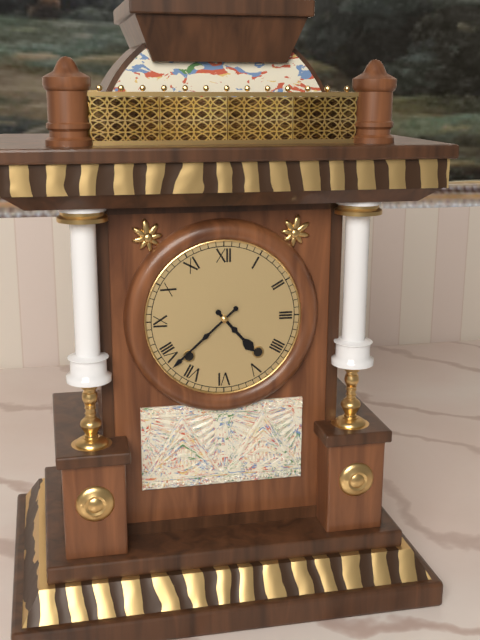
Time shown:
4.38
